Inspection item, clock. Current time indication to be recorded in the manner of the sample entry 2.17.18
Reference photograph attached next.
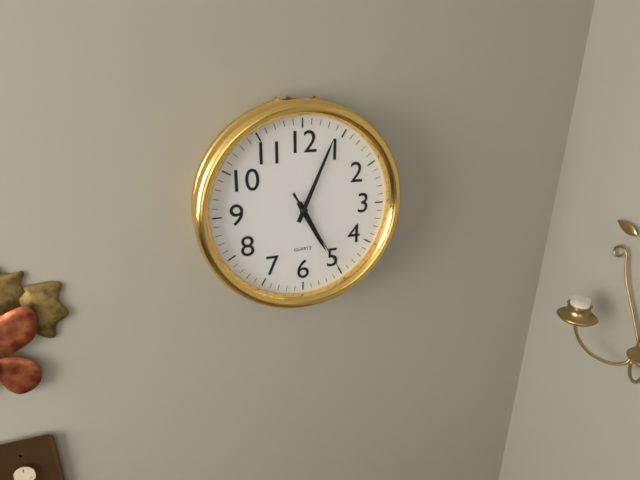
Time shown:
5.04.25
